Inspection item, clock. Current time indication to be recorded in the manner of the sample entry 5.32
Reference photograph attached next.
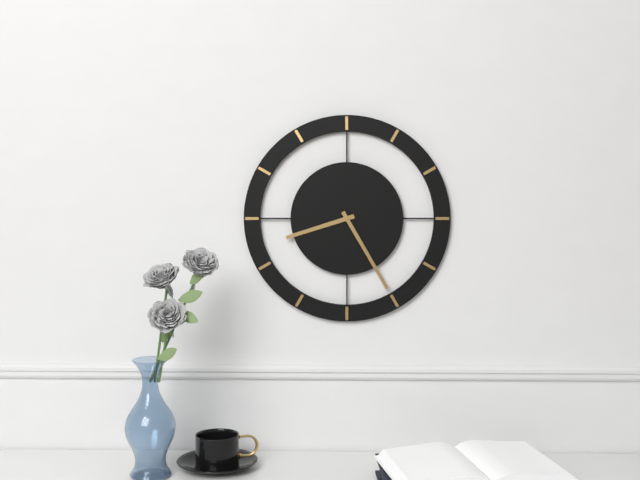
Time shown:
8.25
